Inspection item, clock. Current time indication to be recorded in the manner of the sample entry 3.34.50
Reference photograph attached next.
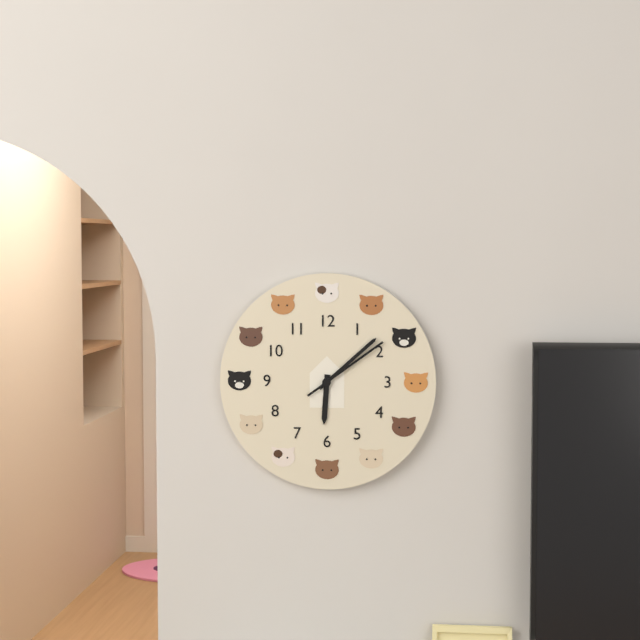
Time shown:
6.08.09
